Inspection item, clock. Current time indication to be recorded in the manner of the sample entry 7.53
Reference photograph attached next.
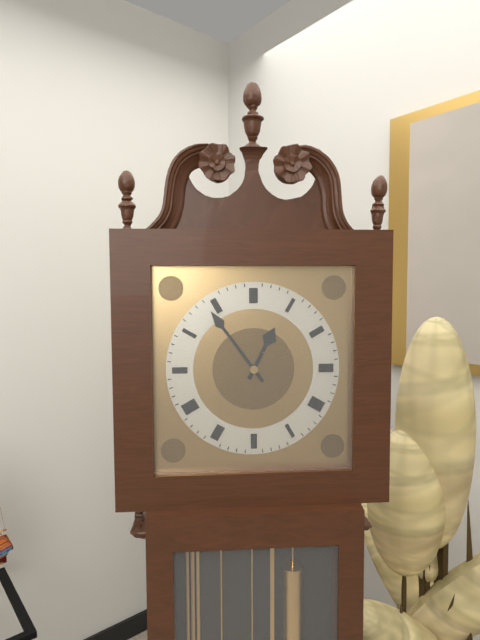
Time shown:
12.54
